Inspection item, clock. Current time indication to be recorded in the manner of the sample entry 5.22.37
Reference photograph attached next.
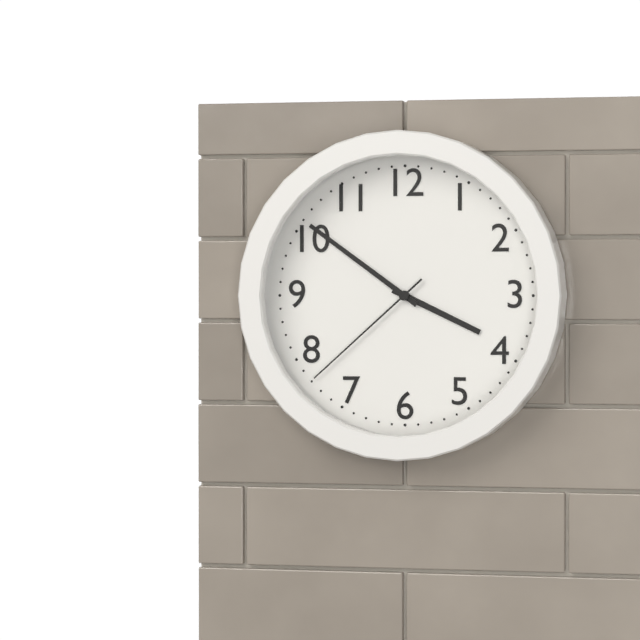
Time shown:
3.51.38
